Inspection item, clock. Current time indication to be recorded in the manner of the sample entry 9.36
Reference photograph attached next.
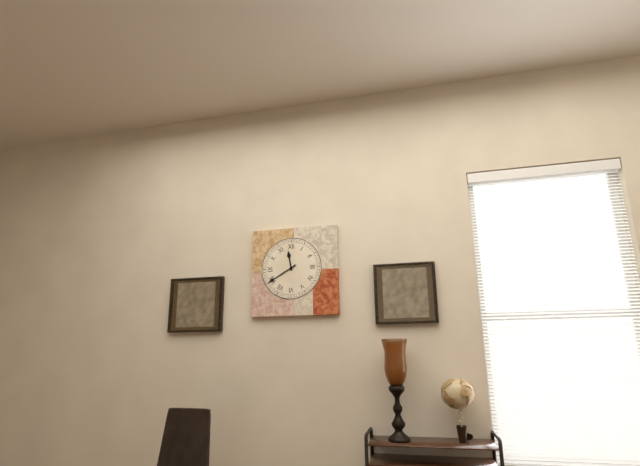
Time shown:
11.40
